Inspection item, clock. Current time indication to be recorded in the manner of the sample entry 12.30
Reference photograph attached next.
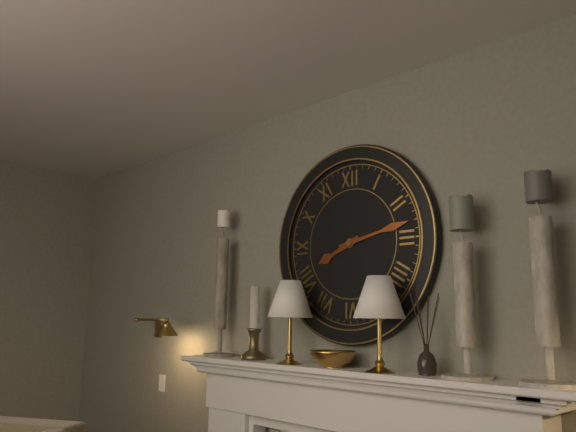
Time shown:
8.13
